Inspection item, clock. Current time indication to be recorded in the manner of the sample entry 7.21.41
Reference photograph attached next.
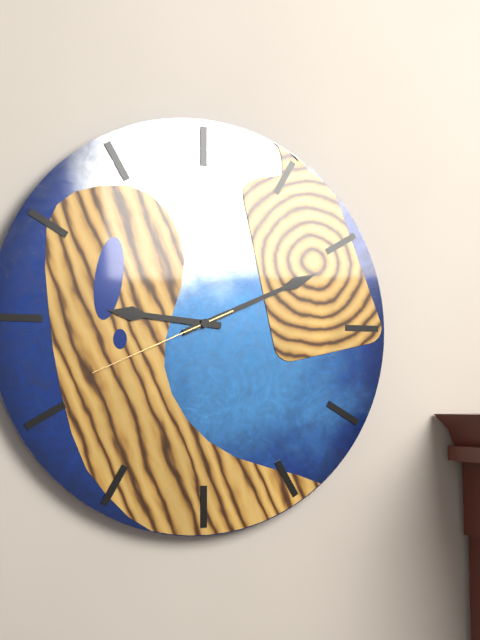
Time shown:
9.11.41
